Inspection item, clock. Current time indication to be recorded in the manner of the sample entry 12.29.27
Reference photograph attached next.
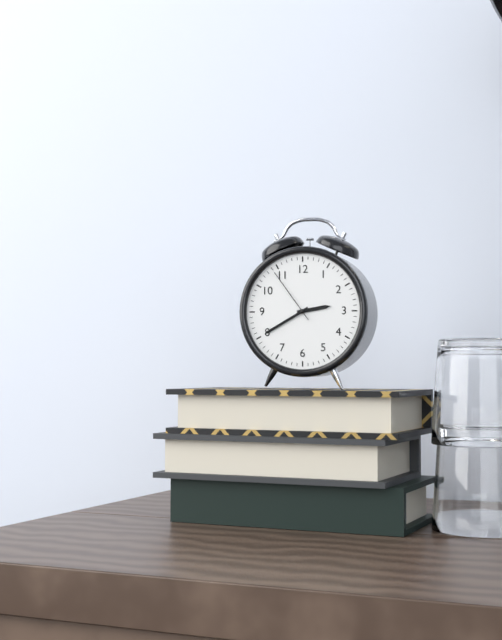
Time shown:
2.40.54
